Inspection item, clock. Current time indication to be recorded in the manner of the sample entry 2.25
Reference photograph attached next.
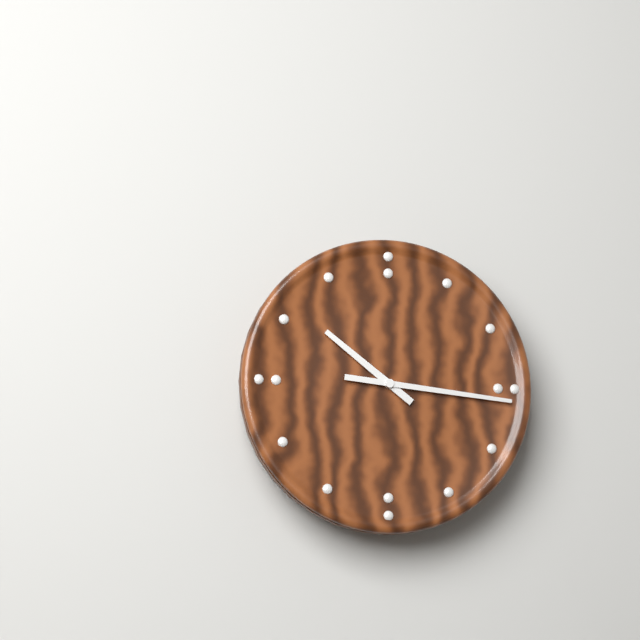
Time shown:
10.16
